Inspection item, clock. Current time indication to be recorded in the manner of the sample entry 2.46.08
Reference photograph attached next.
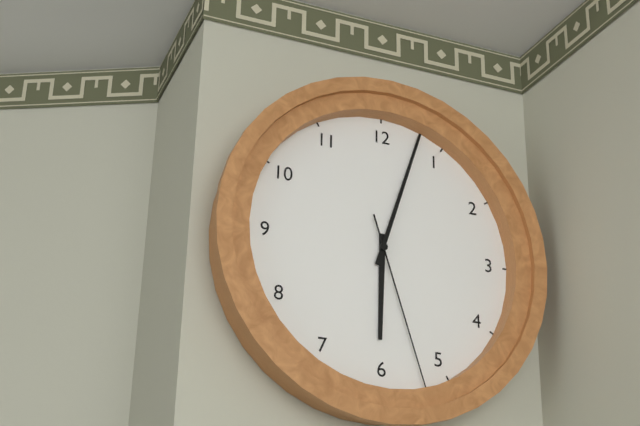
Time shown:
6.03.27
